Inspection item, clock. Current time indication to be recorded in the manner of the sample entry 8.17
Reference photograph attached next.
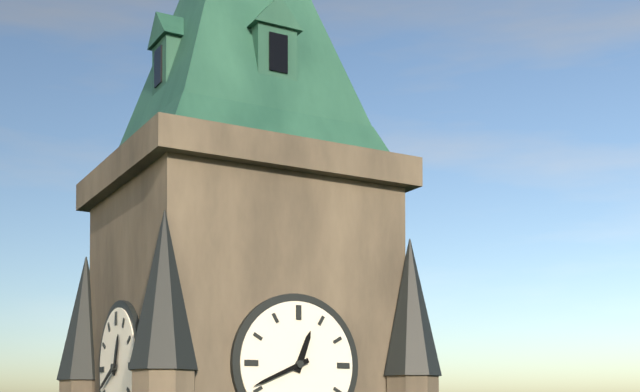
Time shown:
12.41
